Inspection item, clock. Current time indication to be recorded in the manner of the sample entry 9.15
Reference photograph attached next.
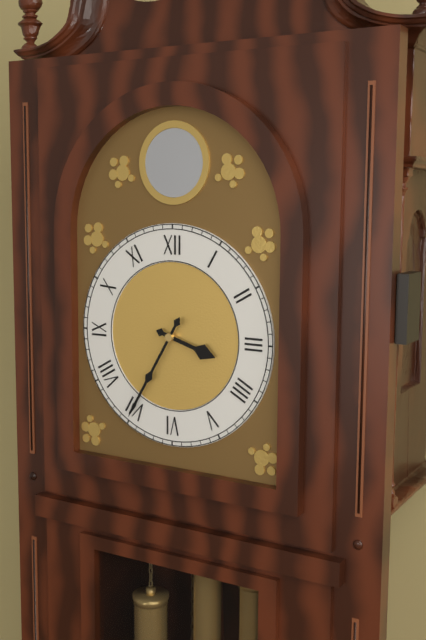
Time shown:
3.35
